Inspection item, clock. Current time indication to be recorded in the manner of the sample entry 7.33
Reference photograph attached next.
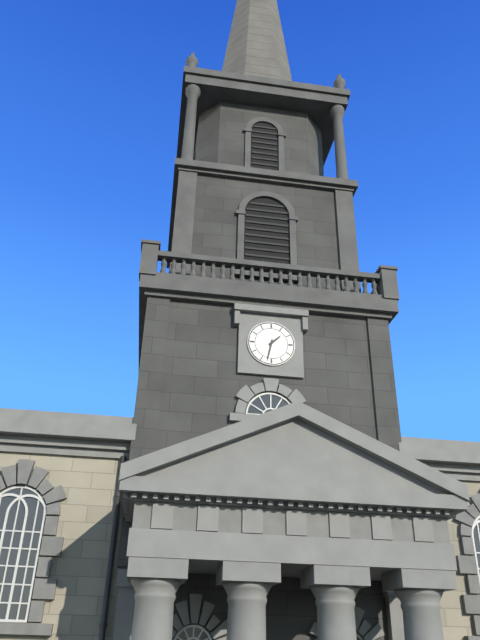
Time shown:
1.32
